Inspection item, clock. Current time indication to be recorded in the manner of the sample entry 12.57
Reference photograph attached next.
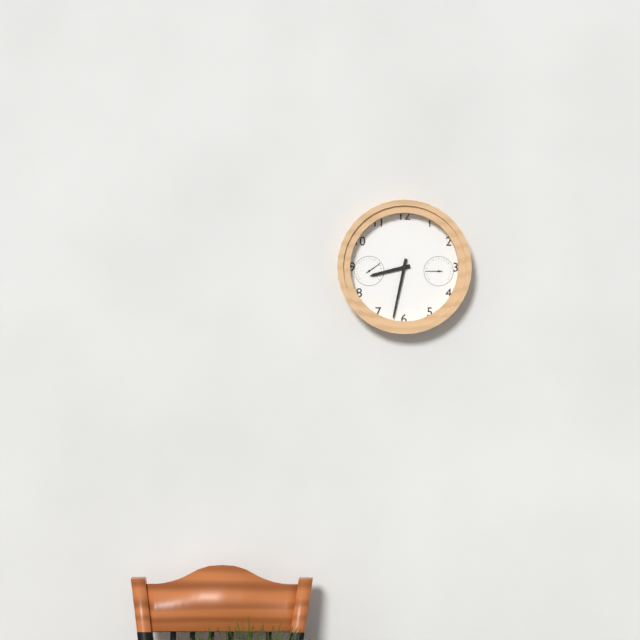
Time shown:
8.32
